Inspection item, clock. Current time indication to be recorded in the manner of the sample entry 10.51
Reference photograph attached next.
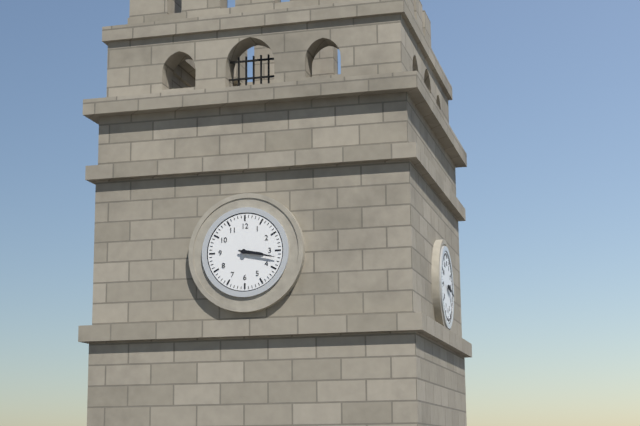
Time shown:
3.17
